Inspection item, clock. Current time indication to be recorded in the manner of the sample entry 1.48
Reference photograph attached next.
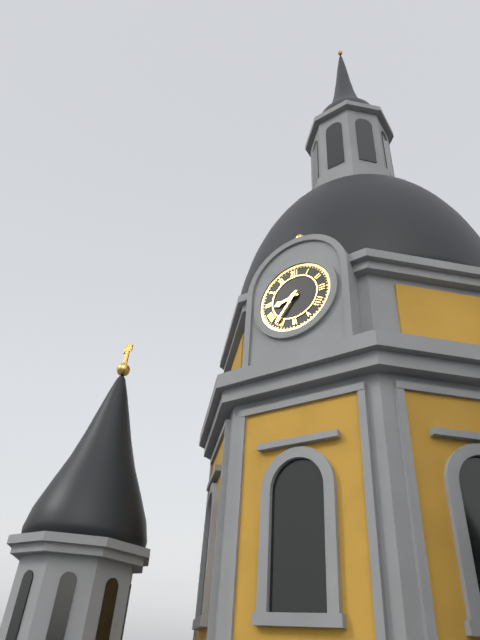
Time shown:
8.36
